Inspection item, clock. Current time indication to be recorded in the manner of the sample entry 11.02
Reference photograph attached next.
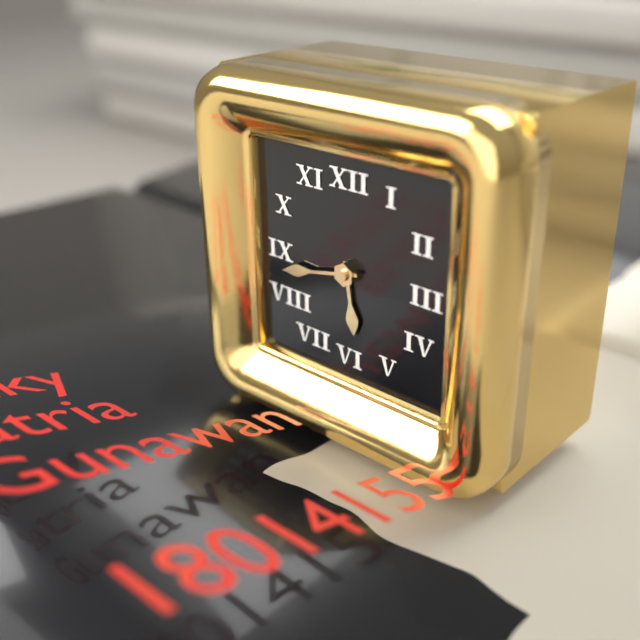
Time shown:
5.43
